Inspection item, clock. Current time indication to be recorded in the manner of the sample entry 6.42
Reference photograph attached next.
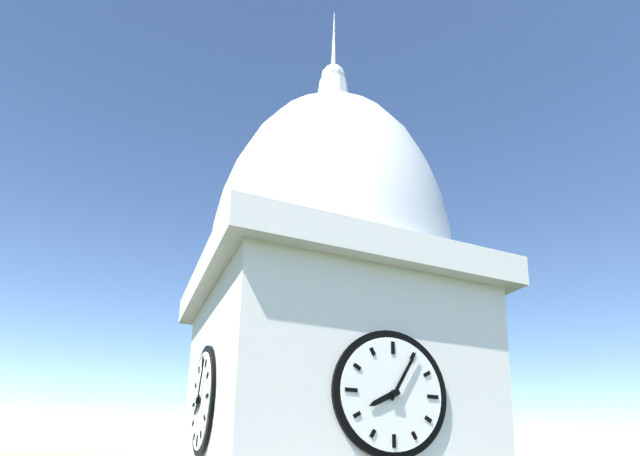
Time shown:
8.05
